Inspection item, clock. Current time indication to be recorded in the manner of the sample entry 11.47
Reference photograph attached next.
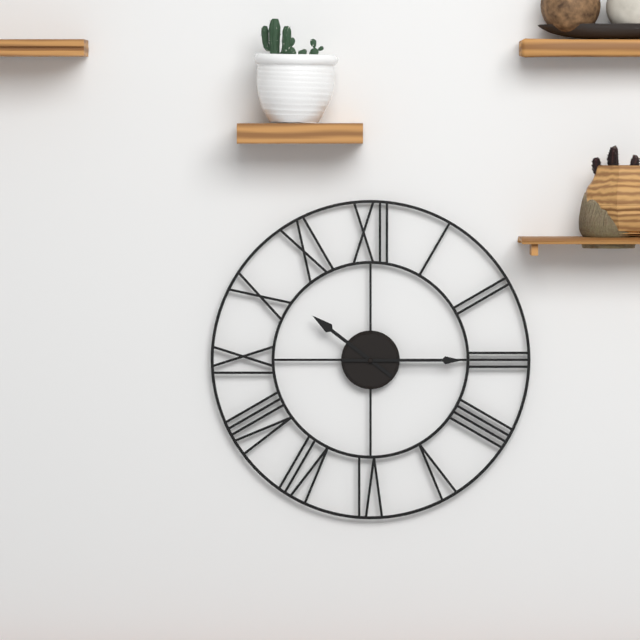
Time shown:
10.15
